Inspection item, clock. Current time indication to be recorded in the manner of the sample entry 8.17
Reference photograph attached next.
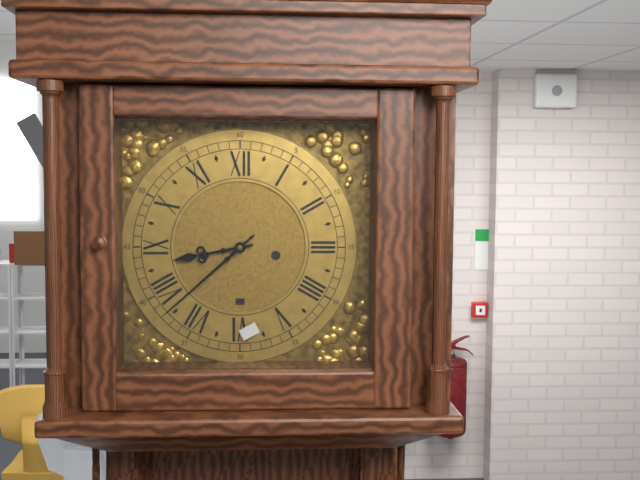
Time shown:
8.38
